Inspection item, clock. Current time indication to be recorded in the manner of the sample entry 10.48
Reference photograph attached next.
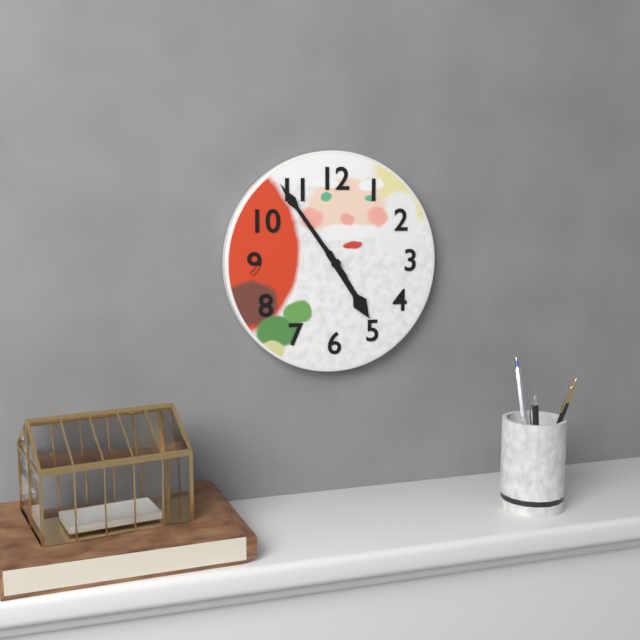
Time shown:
4.54
